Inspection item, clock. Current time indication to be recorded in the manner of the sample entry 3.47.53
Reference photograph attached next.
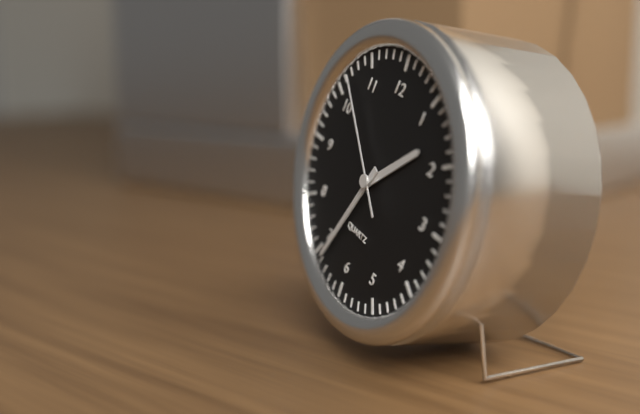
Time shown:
1.34.52
